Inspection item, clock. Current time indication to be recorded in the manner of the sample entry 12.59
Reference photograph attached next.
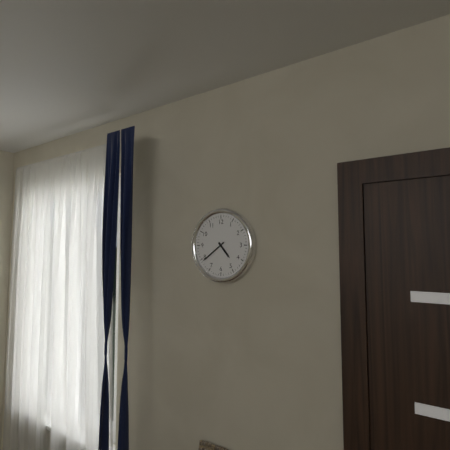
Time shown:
4.39
